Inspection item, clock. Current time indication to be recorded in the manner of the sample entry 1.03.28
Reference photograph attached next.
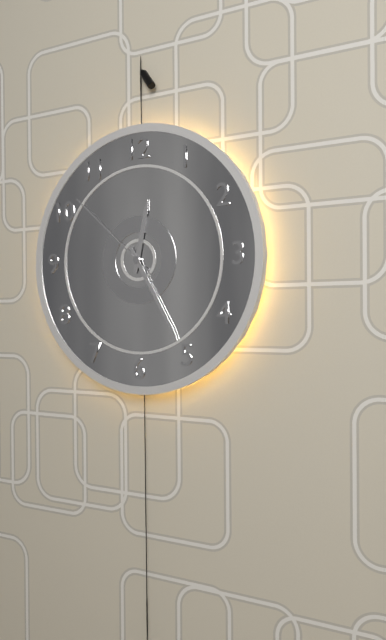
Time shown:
12.25.52
